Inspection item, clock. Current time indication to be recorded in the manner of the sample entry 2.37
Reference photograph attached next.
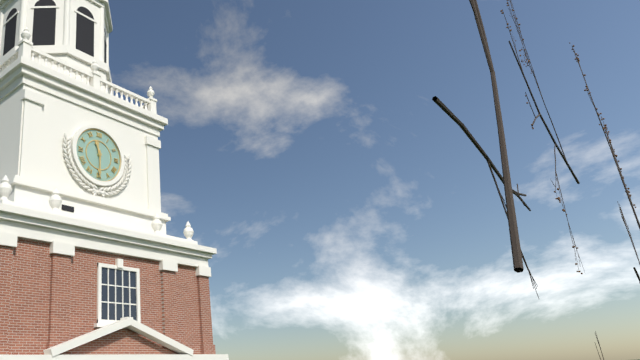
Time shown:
11.30
